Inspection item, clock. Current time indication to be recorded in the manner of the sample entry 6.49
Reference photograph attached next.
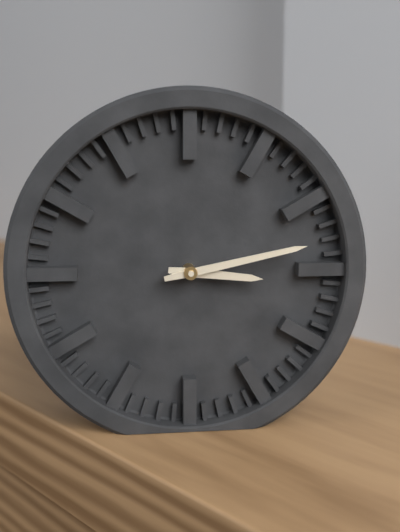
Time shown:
3.13
